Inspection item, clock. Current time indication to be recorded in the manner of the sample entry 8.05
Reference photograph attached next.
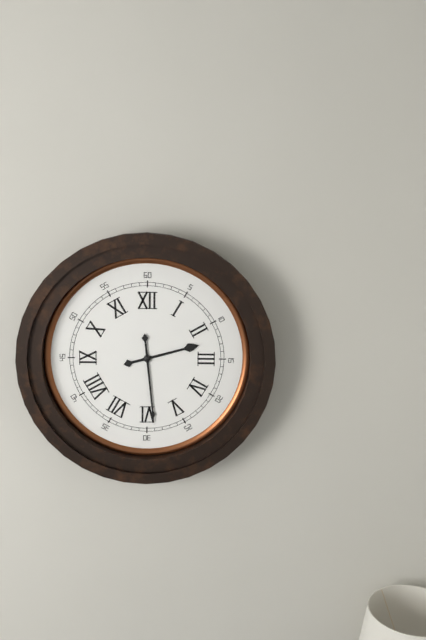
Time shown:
2.29
